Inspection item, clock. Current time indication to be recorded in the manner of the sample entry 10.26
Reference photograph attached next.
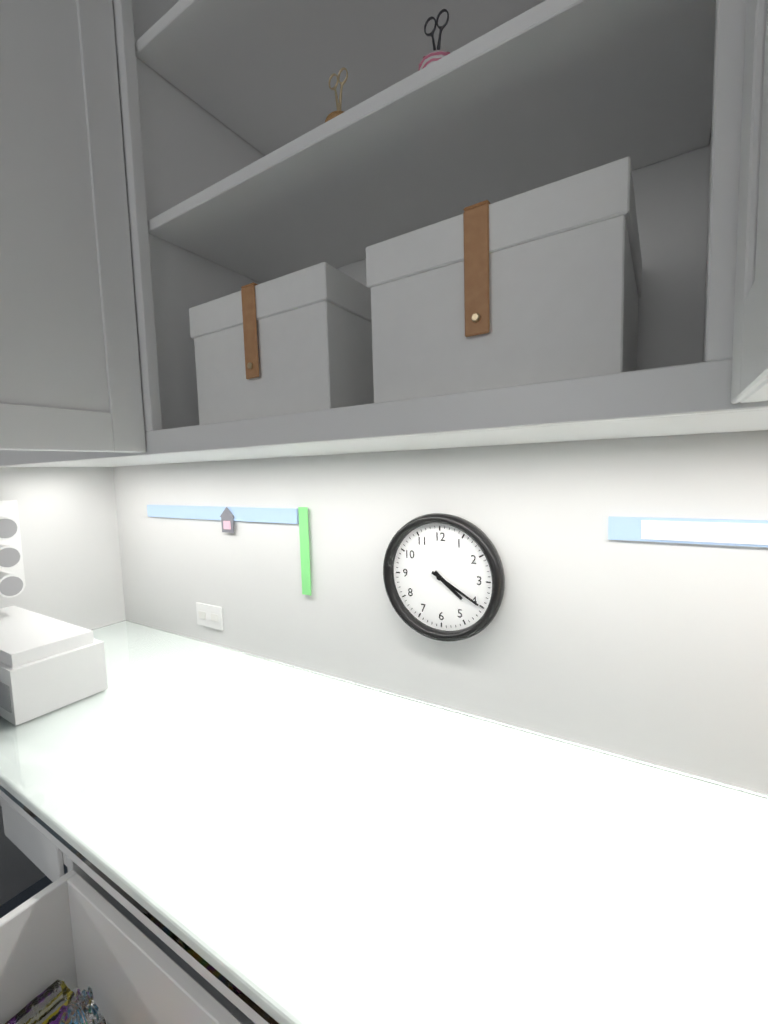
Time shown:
4.20
